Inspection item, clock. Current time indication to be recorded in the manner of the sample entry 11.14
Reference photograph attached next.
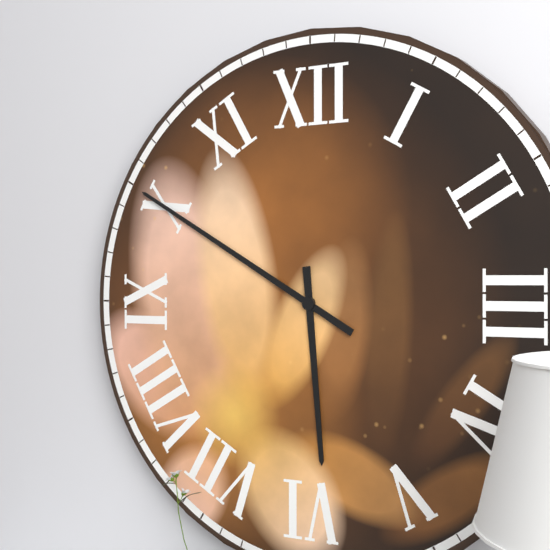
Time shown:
5.50
